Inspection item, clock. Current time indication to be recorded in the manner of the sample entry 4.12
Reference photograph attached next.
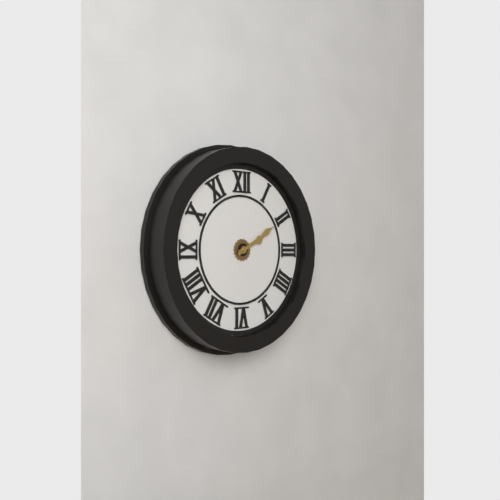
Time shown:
2.10
